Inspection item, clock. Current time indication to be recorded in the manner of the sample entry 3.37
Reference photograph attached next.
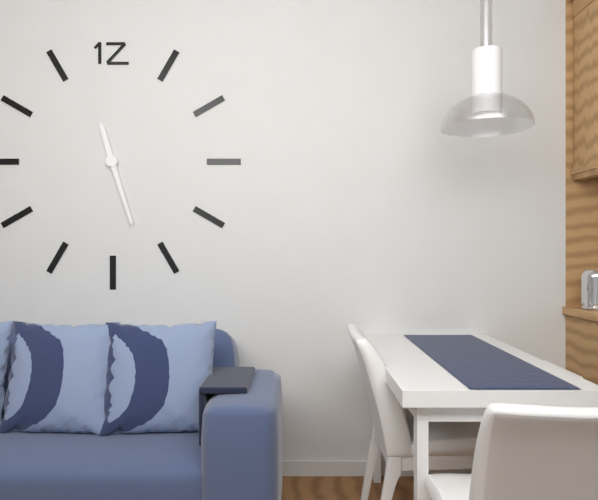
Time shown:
11.27
